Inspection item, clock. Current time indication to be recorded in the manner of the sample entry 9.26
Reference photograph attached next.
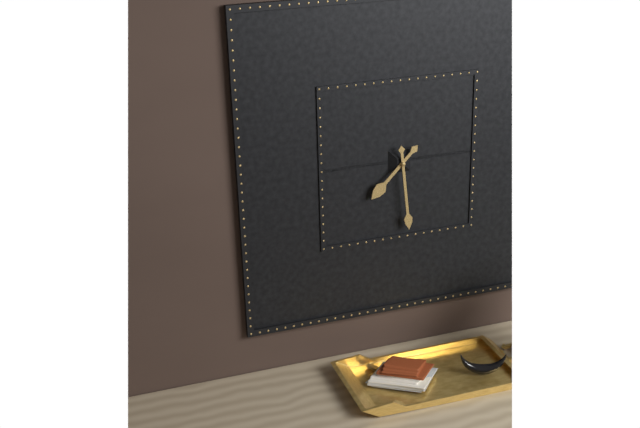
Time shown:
7.29
